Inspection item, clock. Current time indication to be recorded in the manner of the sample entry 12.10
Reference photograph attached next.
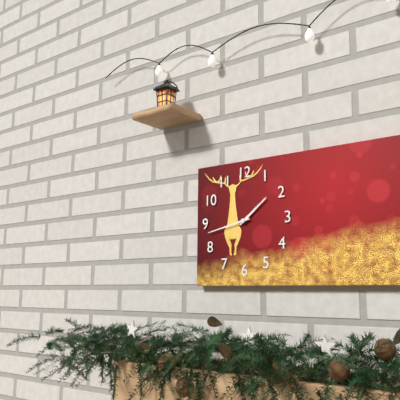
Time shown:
1.43
